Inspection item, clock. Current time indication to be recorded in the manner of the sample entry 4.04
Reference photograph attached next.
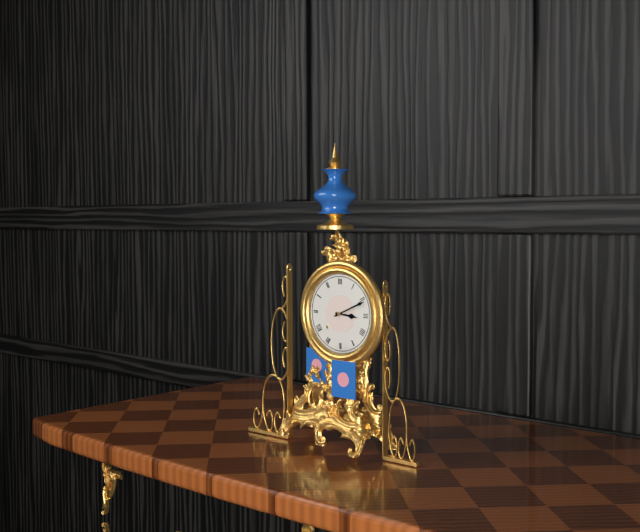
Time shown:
3.11
